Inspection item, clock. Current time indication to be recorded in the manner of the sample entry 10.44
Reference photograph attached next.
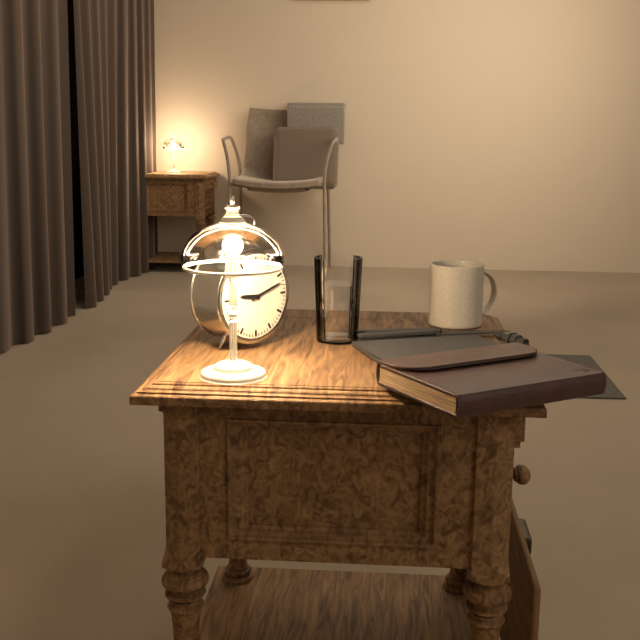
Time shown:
9.12
